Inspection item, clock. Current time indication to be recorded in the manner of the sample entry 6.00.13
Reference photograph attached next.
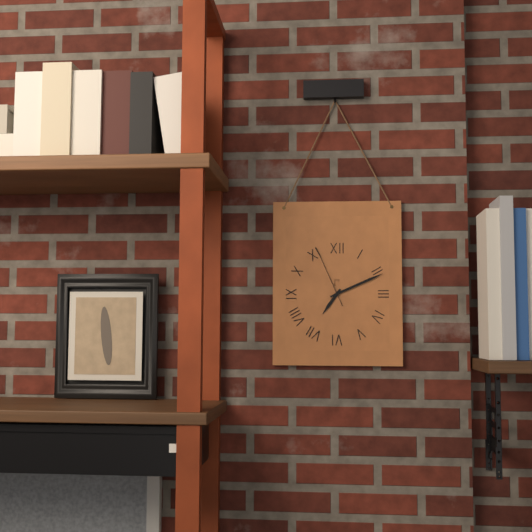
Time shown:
7.11.56
